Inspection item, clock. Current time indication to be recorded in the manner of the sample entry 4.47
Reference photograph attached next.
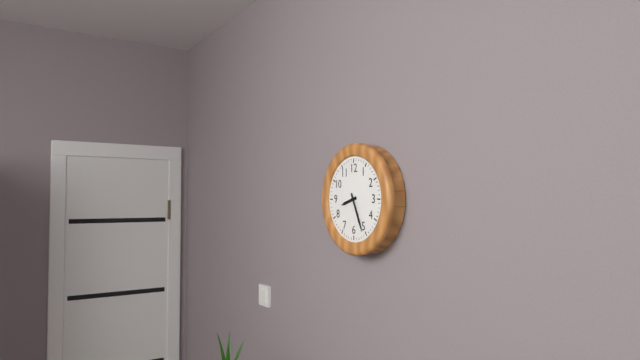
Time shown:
8.26
